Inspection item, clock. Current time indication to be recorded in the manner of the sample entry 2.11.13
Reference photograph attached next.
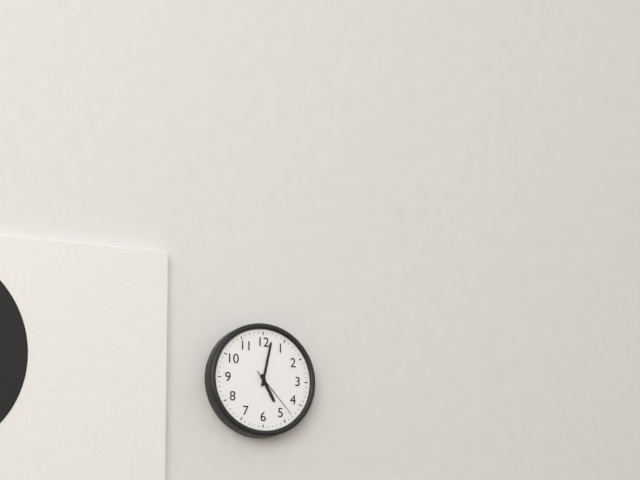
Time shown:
5.02.23
